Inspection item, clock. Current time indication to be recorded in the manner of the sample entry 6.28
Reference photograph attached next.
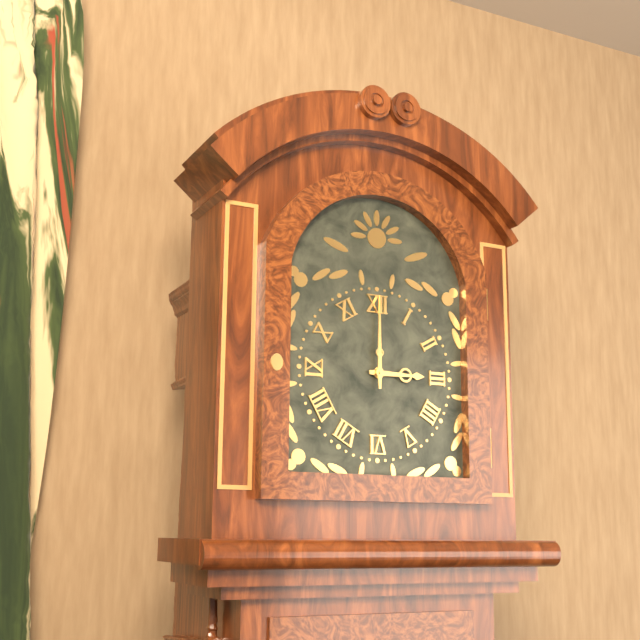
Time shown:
3.00
